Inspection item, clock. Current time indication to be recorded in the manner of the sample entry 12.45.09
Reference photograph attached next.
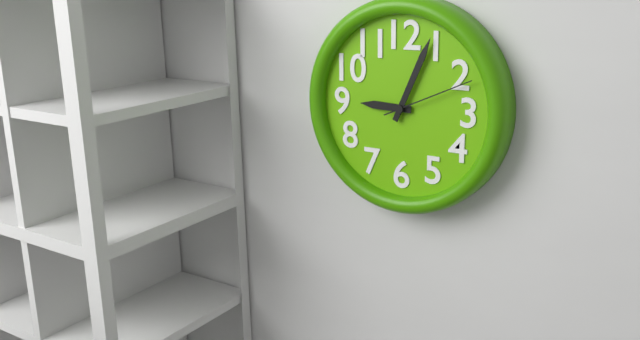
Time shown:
9.04.11
